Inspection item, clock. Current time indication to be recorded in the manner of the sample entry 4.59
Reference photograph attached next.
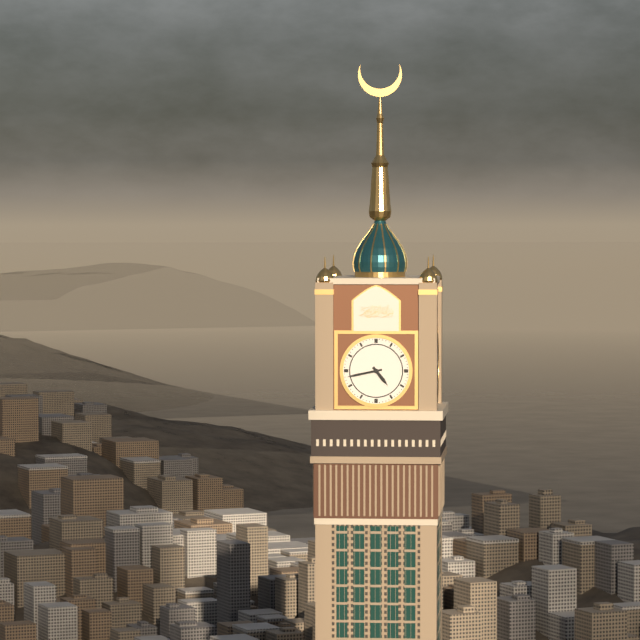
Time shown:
4.43
